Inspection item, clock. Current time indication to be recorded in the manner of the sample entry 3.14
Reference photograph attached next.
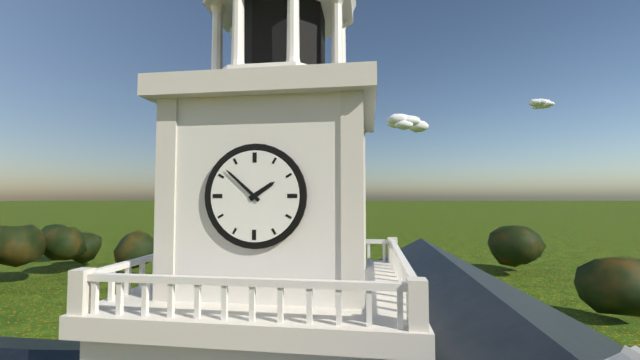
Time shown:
1.52
